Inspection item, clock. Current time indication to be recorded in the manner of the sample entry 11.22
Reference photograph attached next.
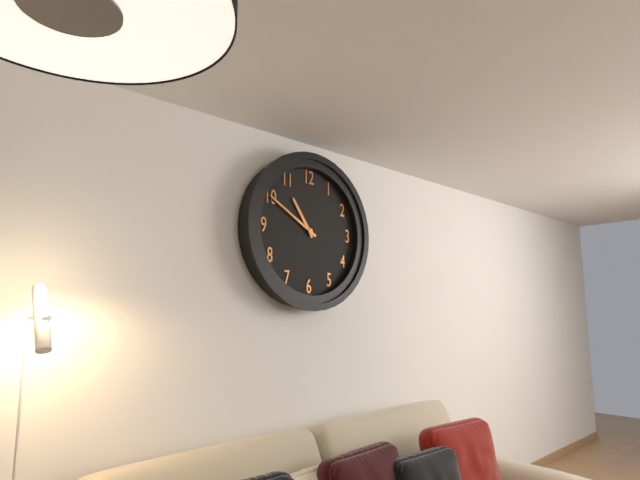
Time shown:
10.50
